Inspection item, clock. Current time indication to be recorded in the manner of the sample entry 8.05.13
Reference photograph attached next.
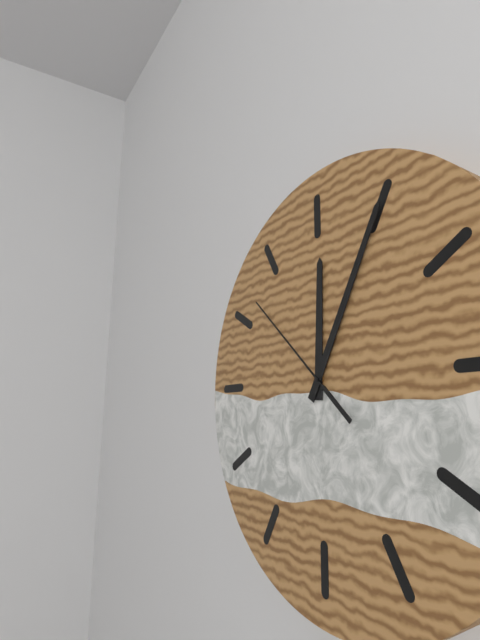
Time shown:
12.05.52
